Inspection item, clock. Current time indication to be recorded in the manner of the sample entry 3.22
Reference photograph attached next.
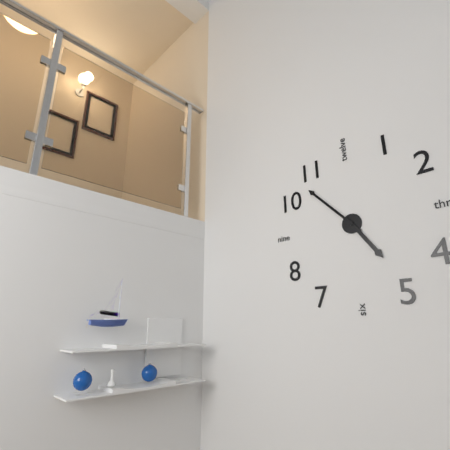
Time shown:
4.53
